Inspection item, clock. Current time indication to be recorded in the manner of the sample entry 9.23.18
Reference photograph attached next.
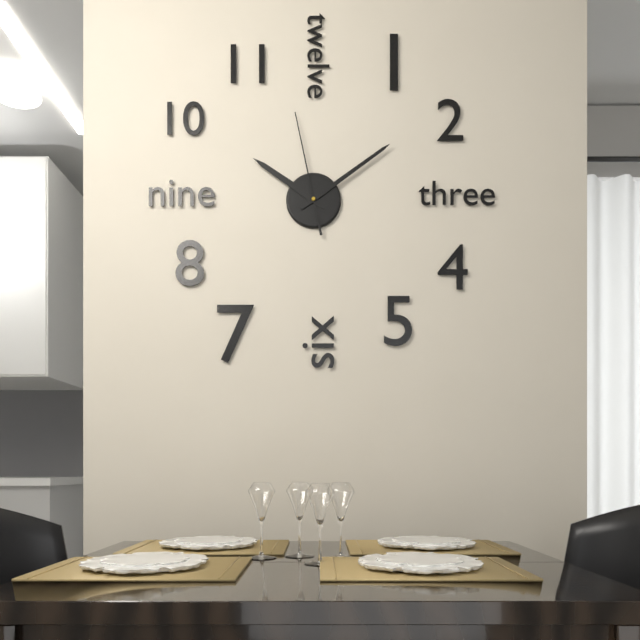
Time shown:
10.09.58
